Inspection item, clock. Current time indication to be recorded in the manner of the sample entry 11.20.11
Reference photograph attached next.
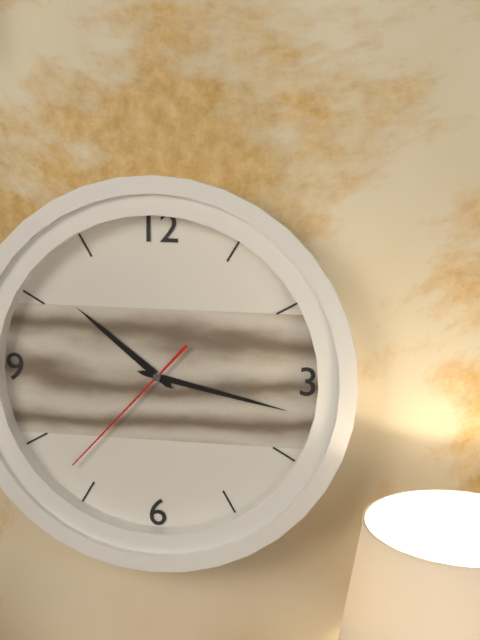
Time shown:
10.17.37
